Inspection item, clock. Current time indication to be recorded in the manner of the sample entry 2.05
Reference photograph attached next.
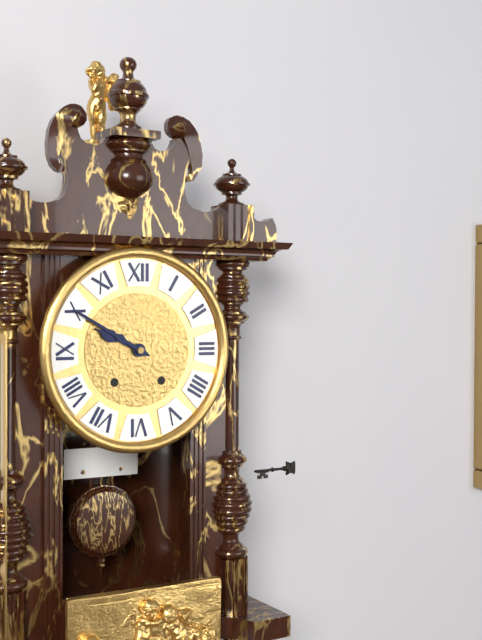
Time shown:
9.50
